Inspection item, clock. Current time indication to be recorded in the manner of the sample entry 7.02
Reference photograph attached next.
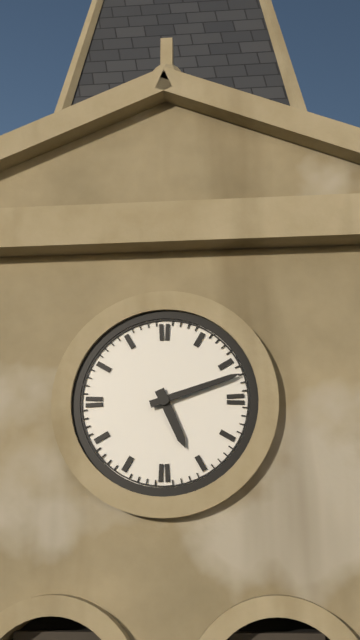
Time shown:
5.12
